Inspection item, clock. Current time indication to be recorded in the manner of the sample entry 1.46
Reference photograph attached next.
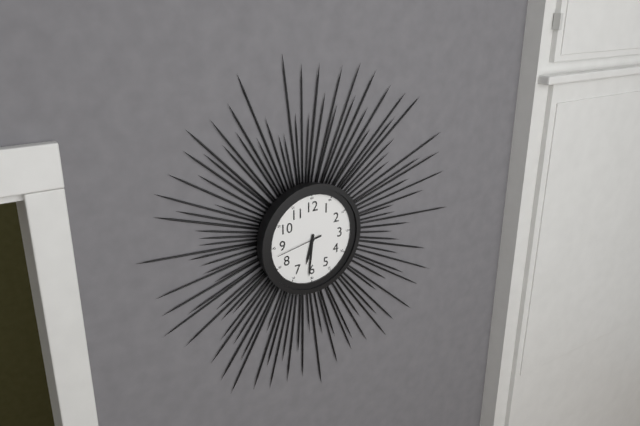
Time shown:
6.31
